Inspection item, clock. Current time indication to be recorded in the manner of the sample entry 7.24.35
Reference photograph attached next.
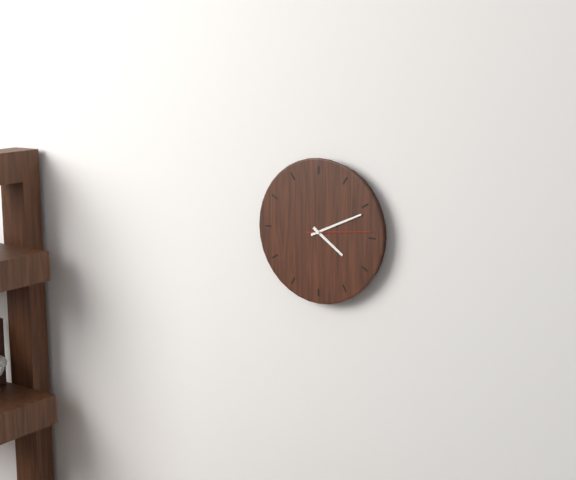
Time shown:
4.11.14
